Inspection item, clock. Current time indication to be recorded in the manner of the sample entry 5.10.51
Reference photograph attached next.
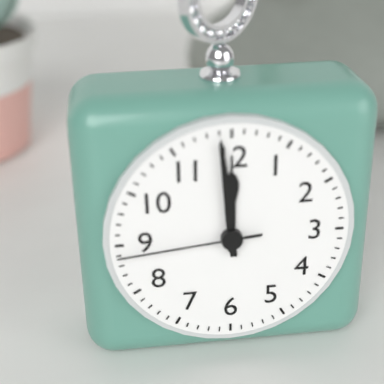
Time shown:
11.59.44
